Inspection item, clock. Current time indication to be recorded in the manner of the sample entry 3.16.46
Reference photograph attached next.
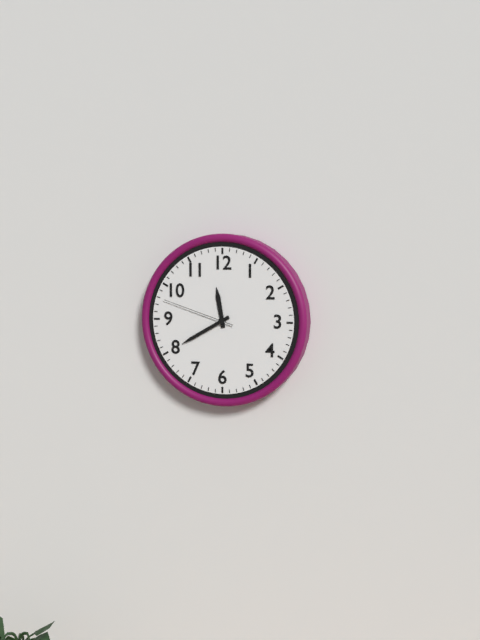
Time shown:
11.40.48
